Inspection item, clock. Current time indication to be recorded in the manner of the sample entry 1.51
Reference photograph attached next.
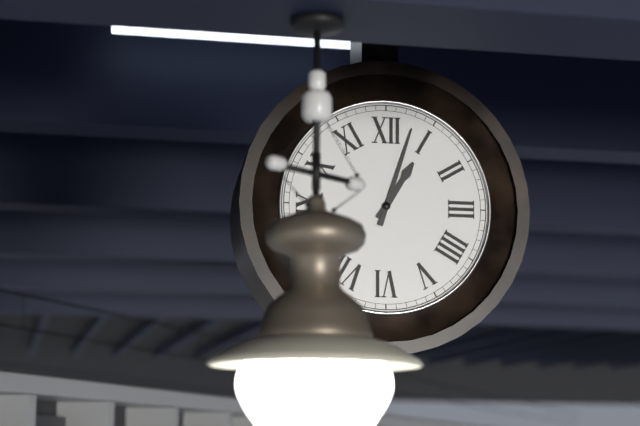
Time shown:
1.03
